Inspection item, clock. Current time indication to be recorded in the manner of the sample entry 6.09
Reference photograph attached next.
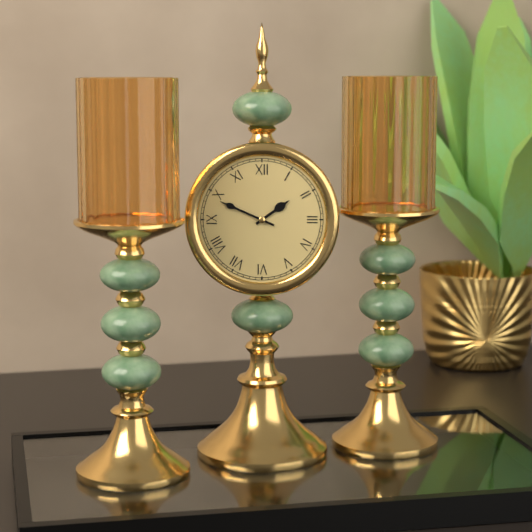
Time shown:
1.49
